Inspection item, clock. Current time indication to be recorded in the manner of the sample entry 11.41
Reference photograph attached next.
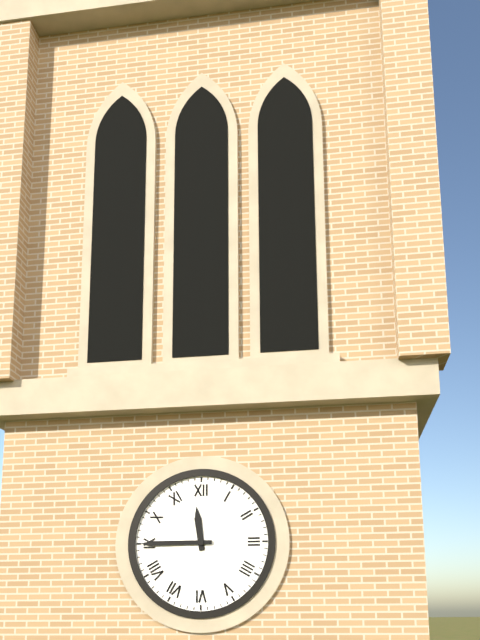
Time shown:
11.45
